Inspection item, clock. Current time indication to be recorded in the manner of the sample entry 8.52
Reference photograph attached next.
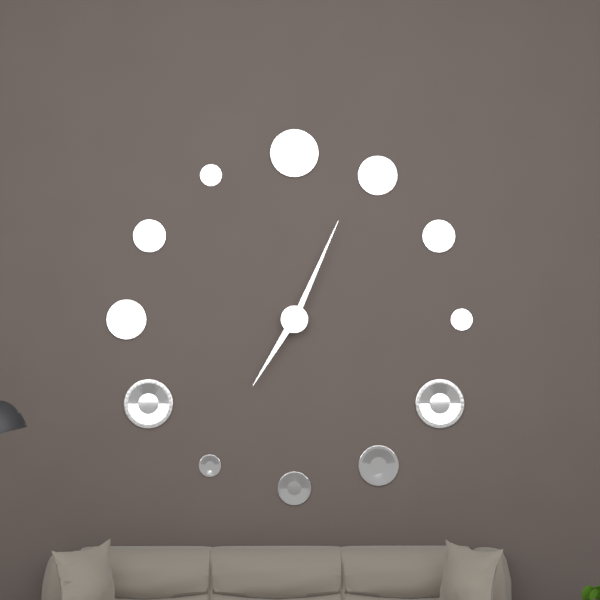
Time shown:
7.04
